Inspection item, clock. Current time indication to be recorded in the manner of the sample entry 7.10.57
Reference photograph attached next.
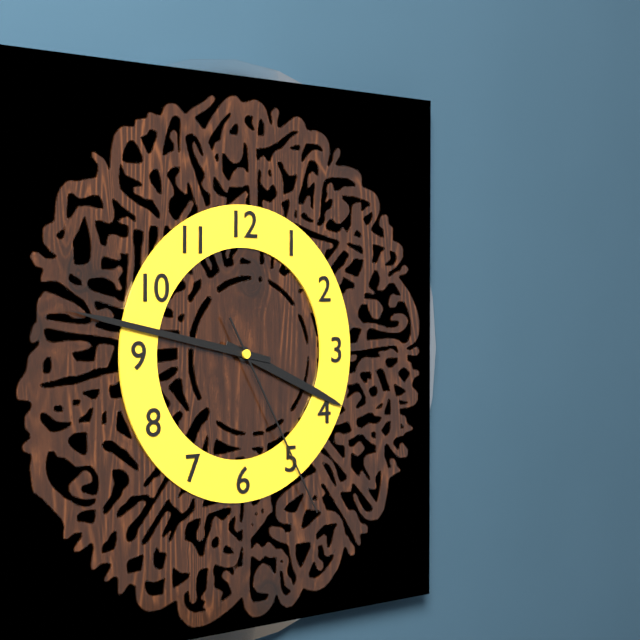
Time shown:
3.47.25
